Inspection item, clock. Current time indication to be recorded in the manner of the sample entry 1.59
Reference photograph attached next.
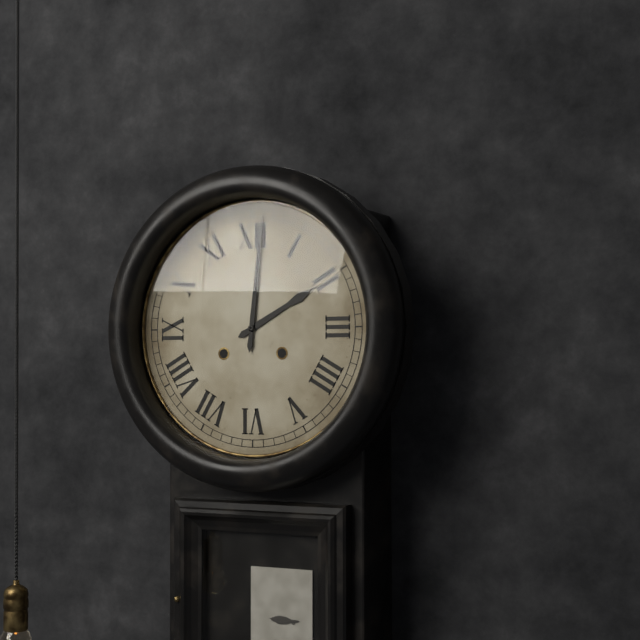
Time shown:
2.01
